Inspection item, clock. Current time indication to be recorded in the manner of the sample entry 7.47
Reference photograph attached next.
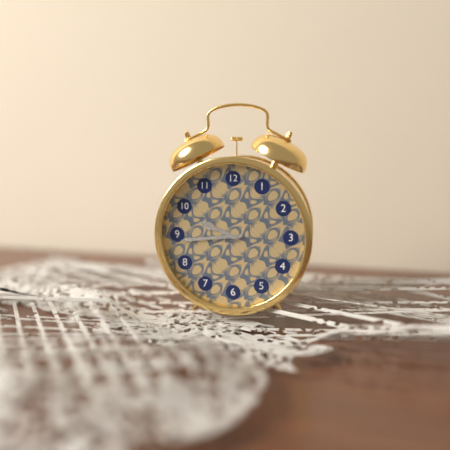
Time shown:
9.44
